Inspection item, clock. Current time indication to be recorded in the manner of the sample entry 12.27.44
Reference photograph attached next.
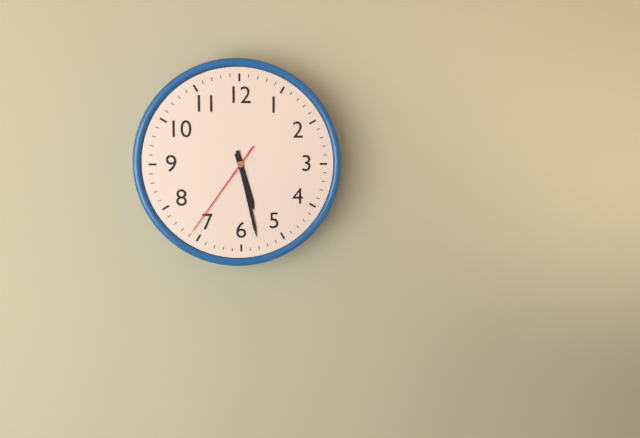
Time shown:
5.28.36
